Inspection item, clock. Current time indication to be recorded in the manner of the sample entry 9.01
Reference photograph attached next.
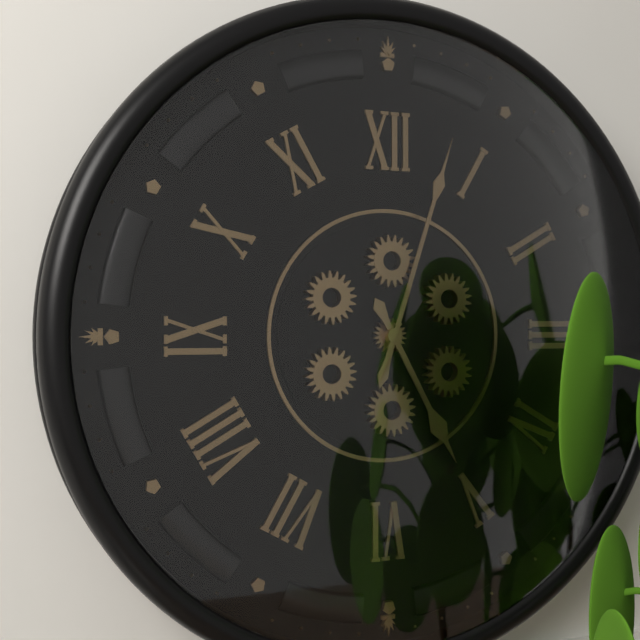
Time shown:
5.03
